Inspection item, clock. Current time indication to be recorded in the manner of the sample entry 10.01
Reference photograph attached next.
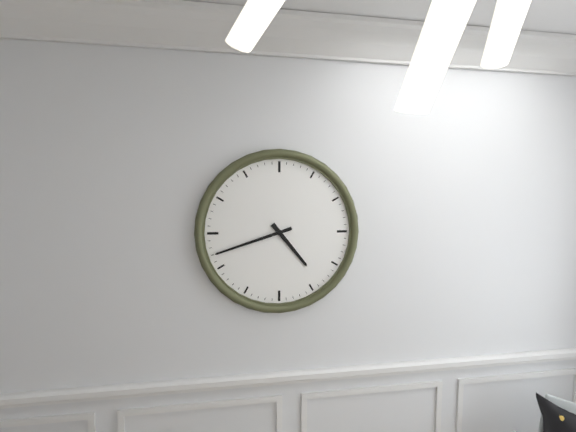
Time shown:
4.42
